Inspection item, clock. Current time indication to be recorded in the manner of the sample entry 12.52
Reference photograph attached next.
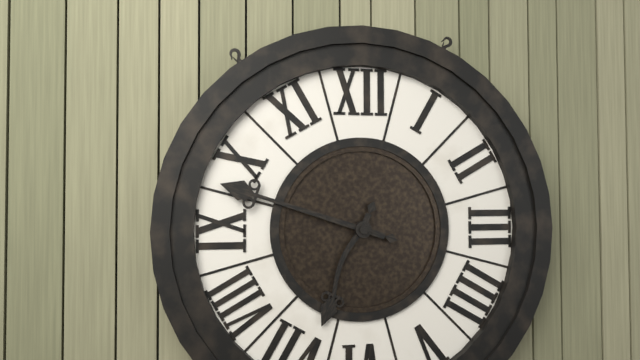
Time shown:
6.48
